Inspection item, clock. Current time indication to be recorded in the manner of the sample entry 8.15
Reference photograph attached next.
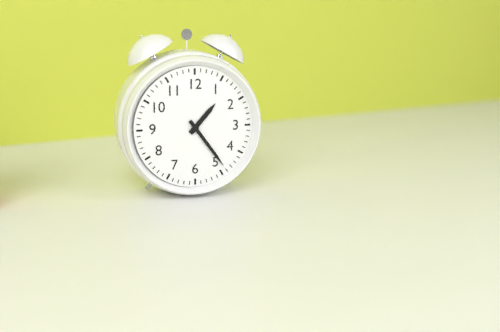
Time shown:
1.24
